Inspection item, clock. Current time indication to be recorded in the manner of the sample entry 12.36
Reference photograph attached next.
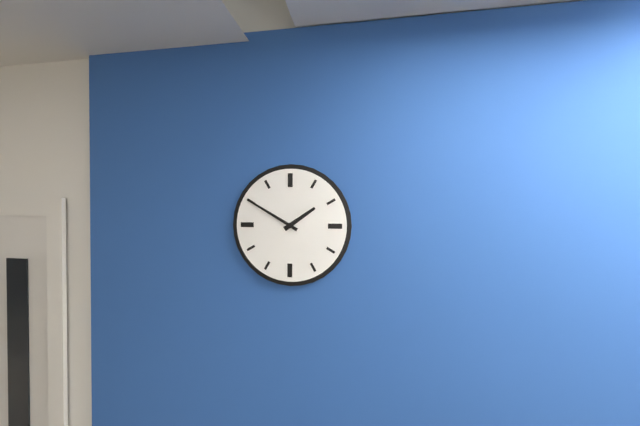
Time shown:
1.50
